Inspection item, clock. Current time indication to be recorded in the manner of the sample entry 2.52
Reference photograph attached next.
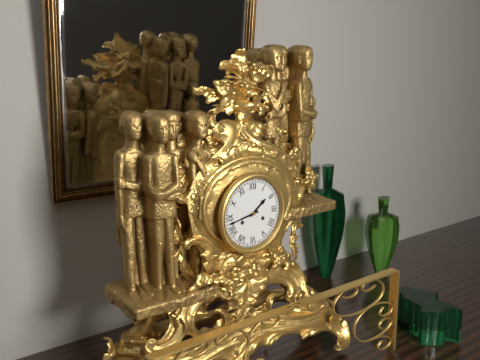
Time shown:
1.43
